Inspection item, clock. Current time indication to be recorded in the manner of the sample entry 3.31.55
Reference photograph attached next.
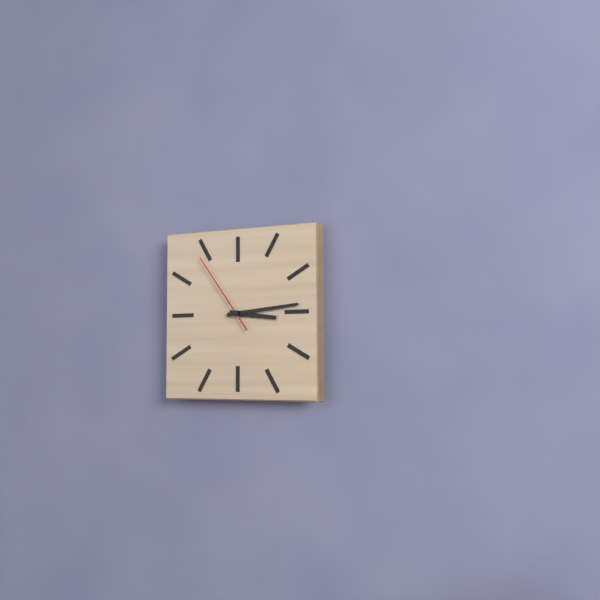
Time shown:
3.14.54
